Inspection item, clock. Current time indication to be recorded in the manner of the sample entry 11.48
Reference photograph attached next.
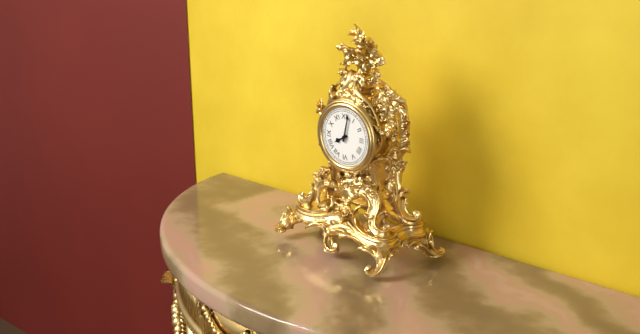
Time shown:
8.02
